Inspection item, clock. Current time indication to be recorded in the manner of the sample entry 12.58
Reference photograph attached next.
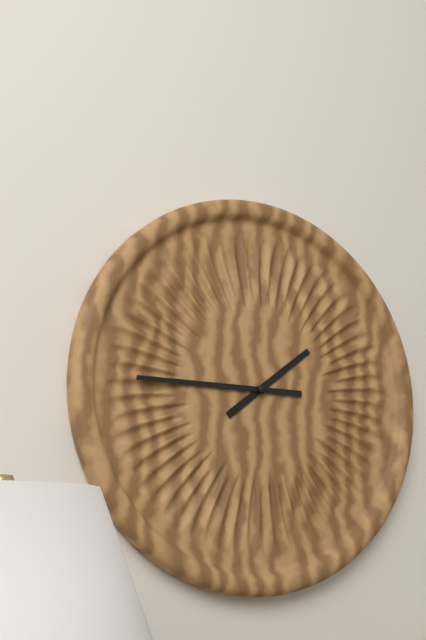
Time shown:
1.45
